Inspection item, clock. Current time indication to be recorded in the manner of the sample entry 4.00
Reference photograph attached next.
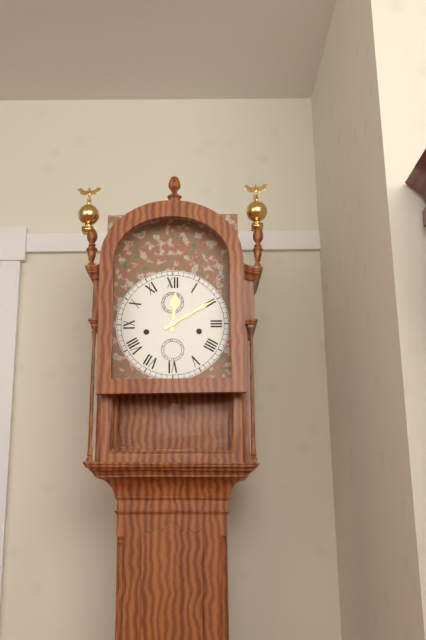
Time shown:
12.10
